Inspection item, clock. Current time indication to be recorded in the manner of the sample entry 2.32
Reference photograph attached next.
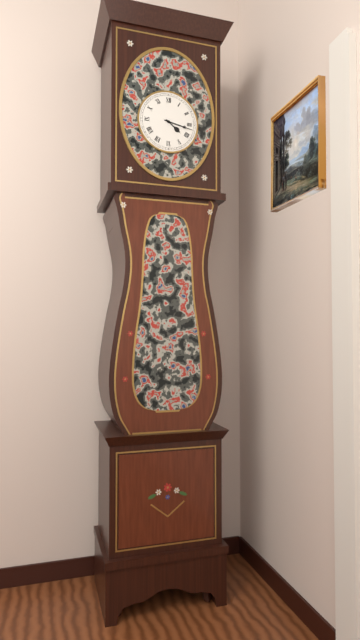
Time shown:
4.17
